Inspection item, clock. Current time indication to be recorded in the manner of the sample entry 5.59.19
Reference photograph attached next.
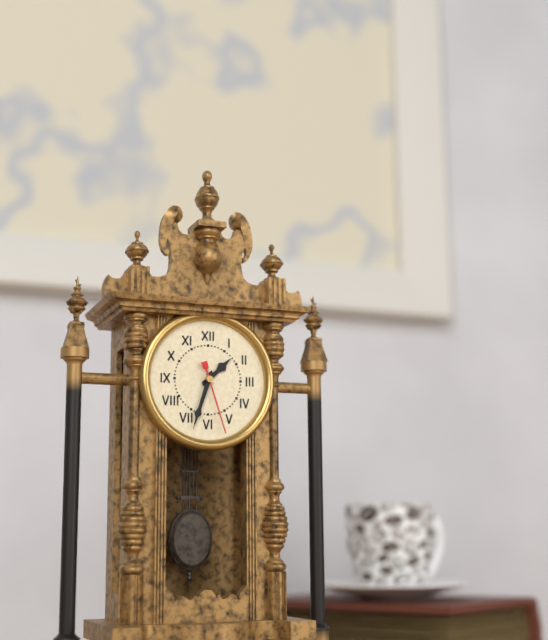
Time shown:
1.33.27
